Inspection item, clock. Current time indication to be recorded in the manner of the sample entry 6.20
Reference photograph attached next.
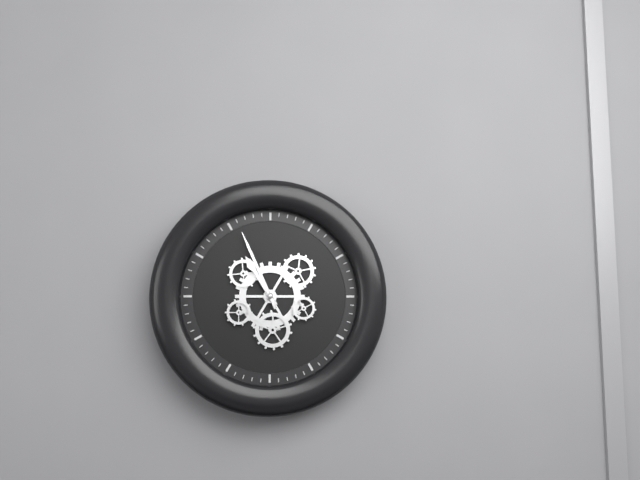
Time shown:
10.56
